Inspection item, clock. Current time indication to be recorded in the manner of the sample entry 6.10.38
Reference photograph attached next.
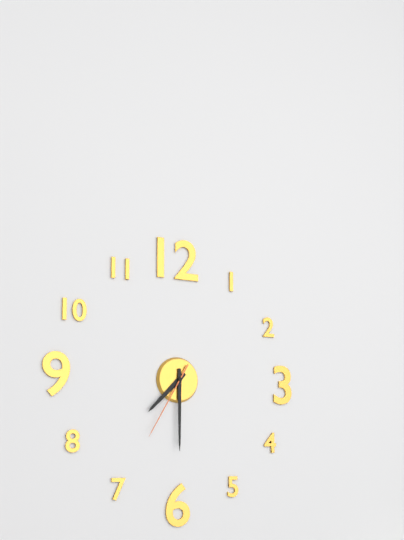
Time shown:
7.30.35
